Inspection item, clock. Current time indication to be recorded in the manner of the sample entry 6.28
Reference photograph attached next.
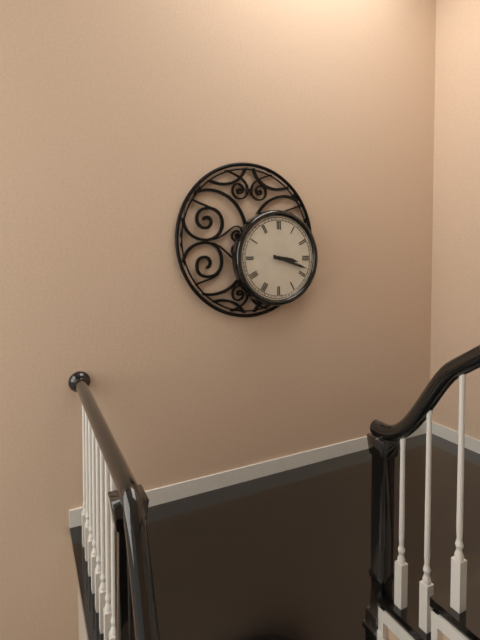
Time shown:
3.18
